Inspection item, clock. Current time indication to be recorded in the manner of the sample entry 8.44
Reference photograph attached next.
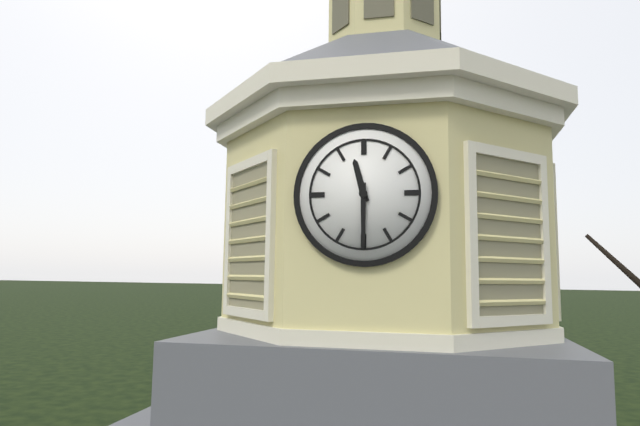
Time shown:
11.30
